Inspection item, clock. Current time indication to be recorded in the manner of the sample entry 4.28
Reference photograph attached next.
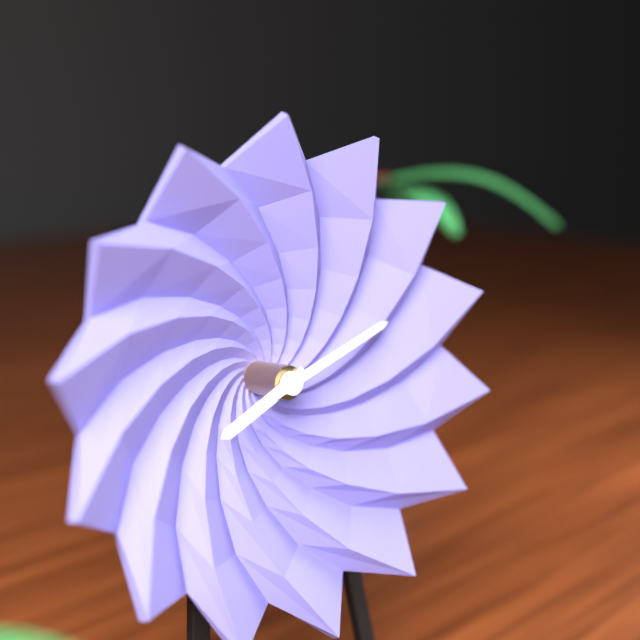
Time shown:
8.12
